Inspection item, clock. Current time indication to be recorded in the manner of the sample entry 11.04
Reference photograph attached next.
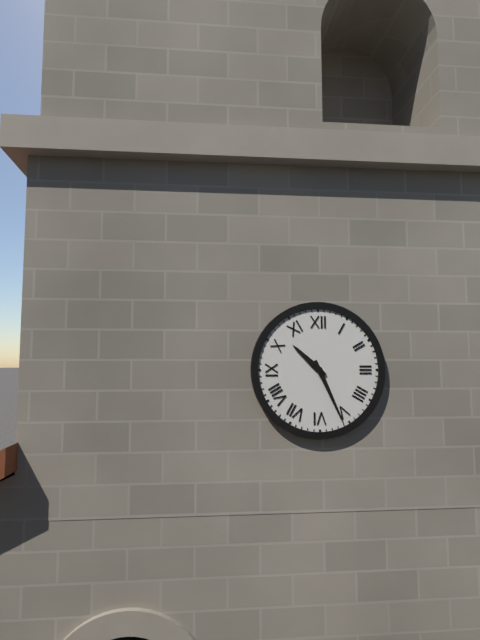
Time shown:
10.26
